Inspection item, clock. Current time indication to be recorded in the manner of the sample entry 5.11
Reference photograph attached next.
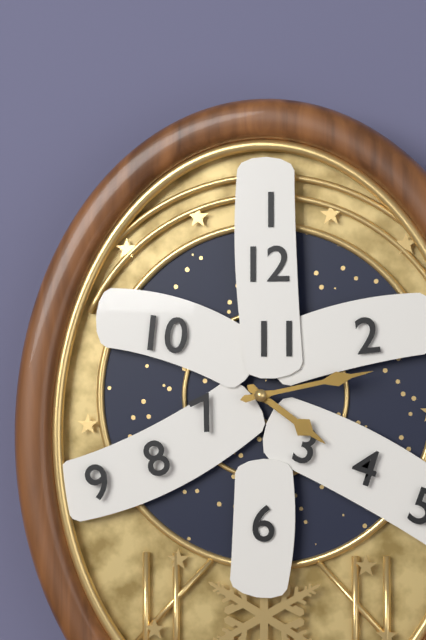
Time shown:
4.13
